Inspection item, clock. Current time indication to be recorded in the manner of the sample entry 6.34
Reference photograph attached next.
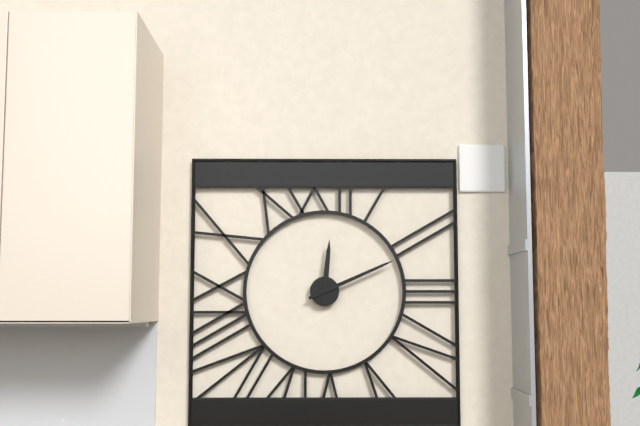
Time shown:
12.11
